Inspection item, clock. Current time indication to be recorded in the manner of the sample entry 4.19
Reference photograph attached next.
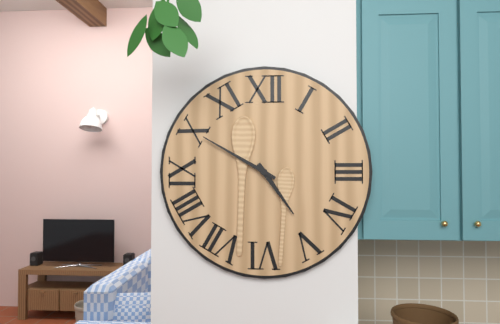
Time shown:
4.50
